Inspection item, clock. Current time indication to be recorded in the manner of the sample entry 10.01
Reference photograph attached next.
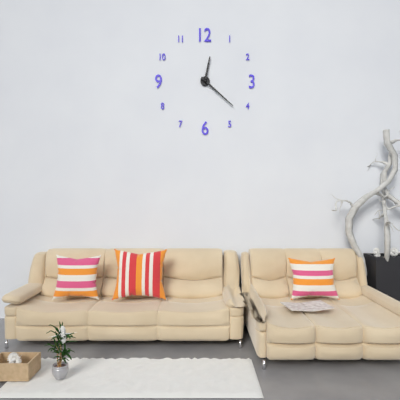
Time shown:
12.22
